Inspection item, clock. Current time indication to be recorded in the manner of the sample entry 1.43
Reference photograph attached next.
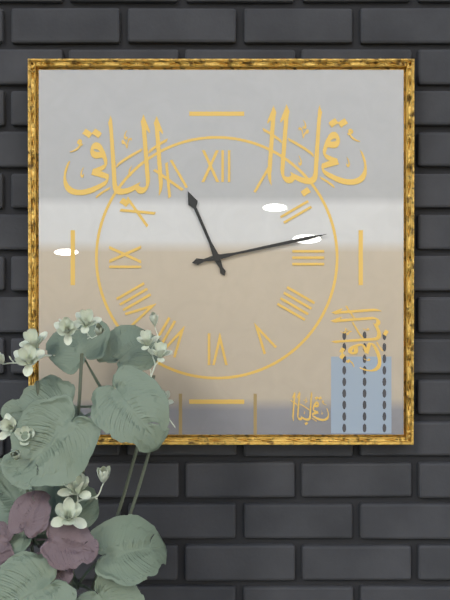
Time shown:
11.13
